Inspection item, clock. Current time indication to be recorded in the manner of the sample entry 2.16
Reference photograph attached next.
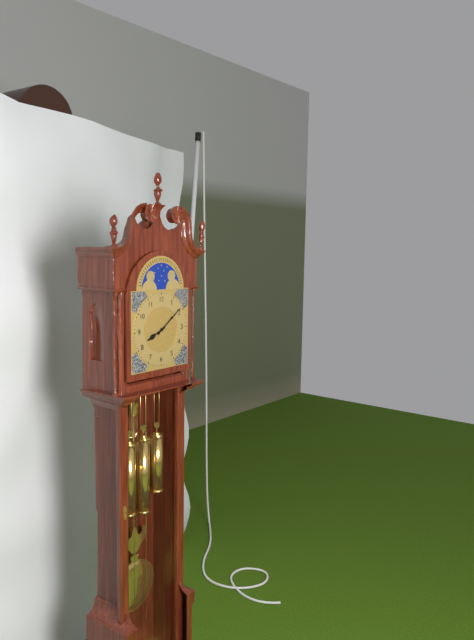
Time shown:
8.09
